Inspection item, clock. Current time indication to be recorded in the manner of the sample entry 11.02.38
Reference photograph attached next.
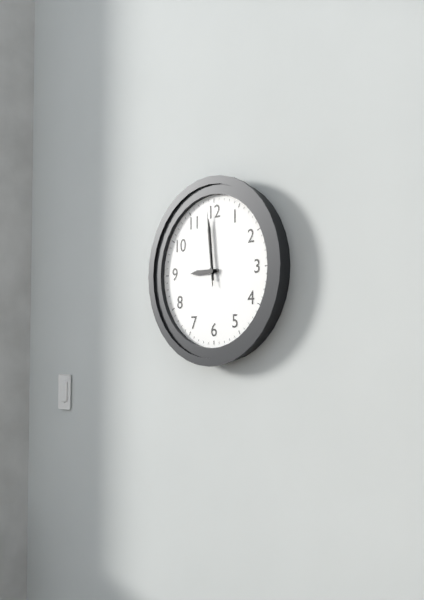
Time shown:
8.59.59
